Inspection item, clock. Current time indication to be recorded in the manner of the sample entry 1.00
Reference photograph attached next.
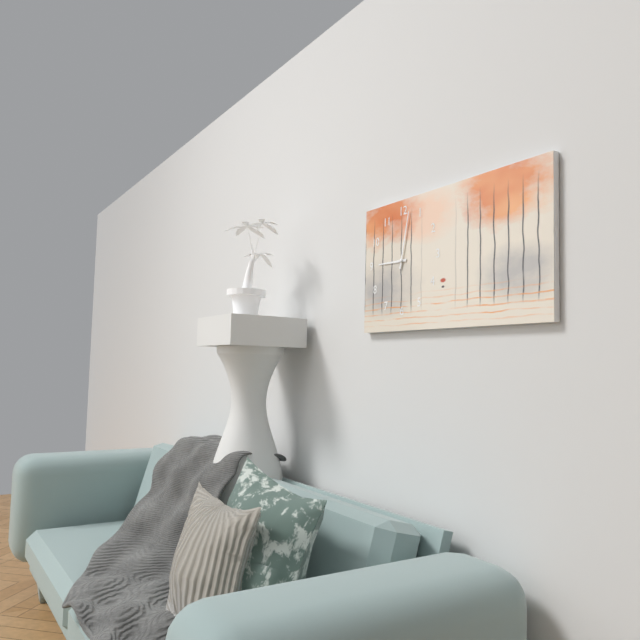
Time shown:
9.02
